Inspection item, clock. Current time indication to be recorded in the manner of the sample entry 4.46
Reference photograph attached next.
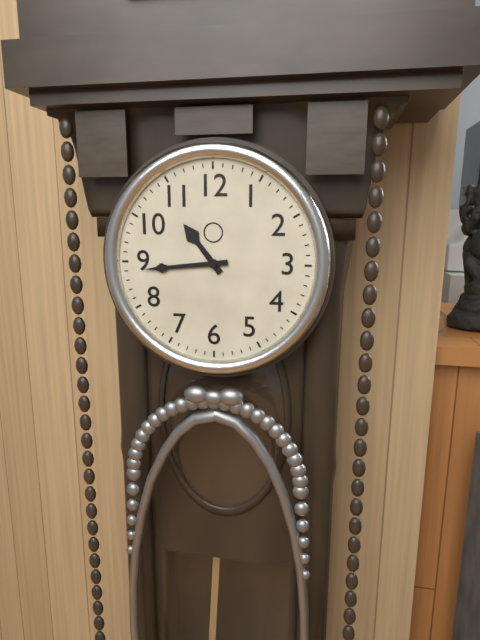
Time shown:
10.44
